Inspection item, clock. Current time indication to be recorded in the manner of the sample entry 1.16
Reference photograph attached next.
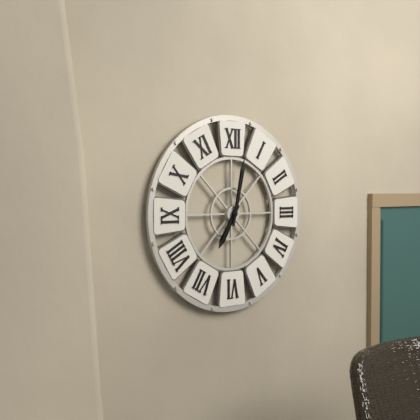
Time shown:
7.02
